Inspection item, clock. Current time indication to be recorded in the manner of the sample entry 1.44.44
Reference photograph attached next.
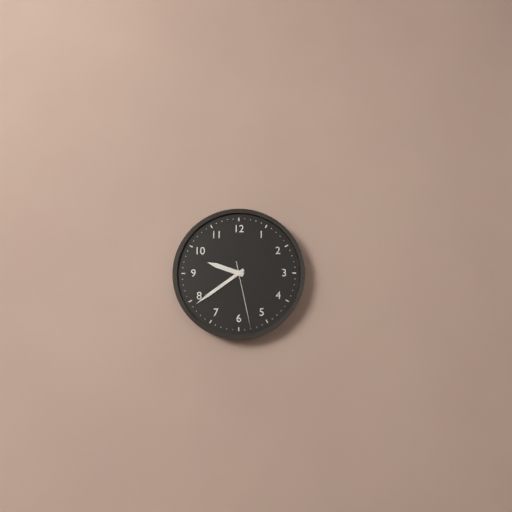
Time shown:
9.39.28
